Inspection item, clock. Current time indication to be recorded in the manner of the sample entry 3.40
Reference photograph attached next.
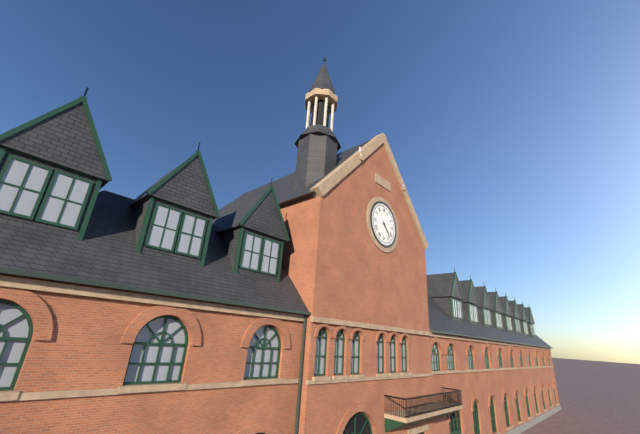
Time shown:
4.23
